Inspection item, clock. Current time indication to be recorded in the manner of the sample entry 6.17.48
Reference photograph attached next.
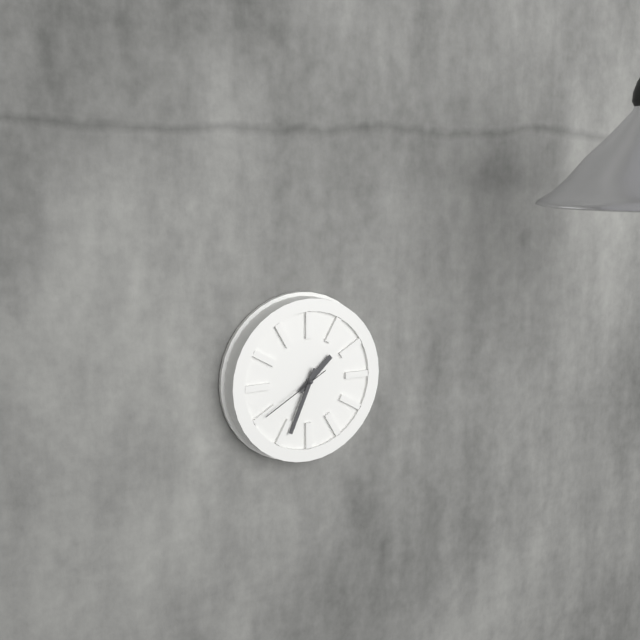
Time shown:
1.34.40
